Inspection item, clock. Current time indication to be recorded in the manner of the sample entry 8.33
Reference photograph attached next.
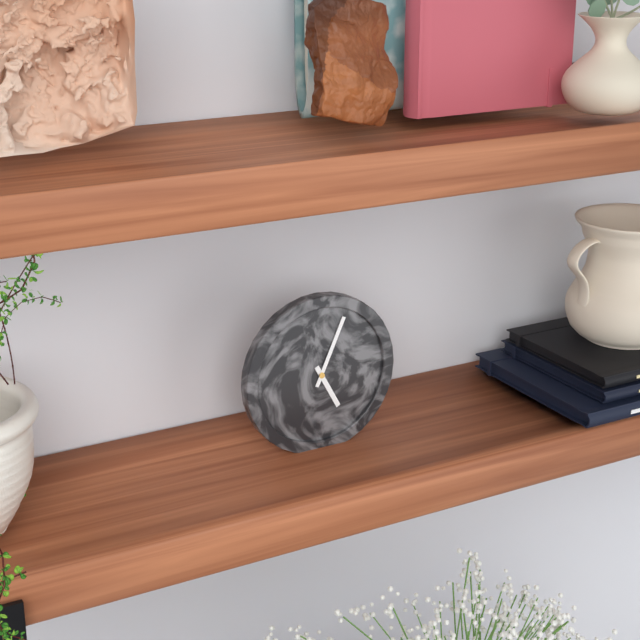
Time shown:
5.04
